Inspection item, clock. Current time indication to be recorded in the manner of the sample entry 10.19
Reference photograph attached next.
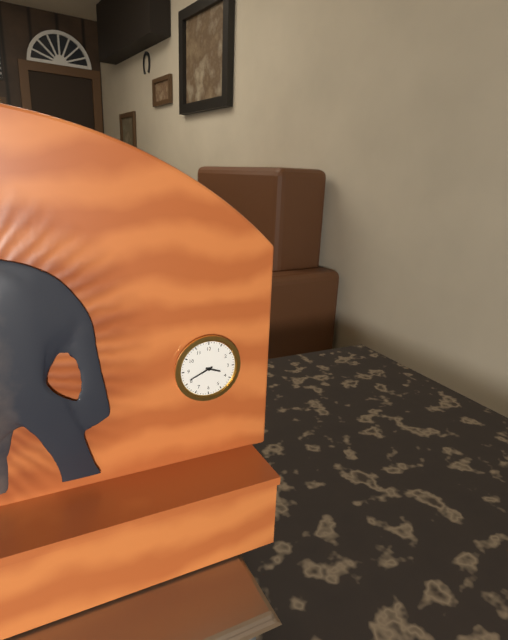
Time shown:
3.41
